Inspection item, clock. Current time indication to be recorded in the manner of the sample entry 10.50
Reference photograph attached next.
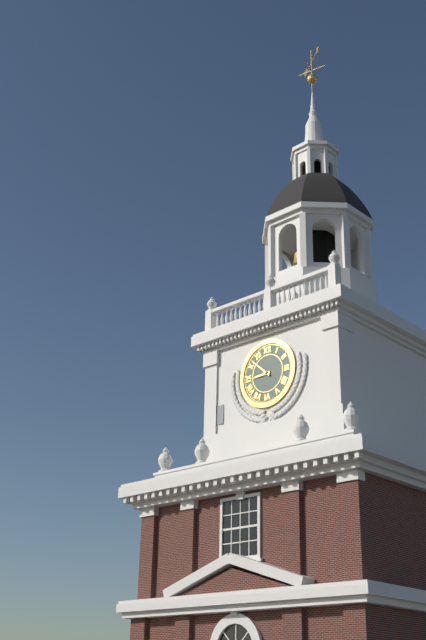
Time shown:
8.52
